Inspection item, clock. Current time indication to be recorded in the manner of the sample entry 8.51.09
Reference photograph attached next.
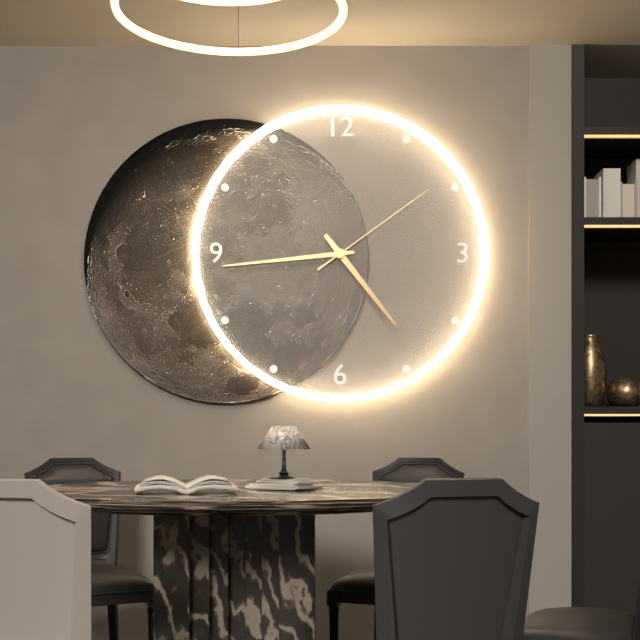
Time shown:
4.44.09
